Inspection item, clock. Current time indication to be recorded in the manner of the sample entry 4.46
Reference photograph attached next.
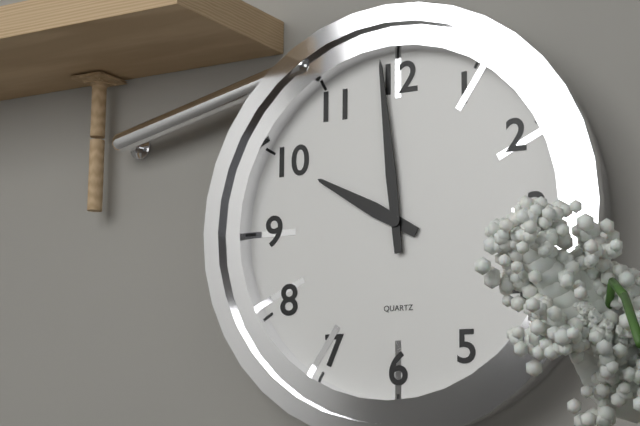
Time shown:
9.59
